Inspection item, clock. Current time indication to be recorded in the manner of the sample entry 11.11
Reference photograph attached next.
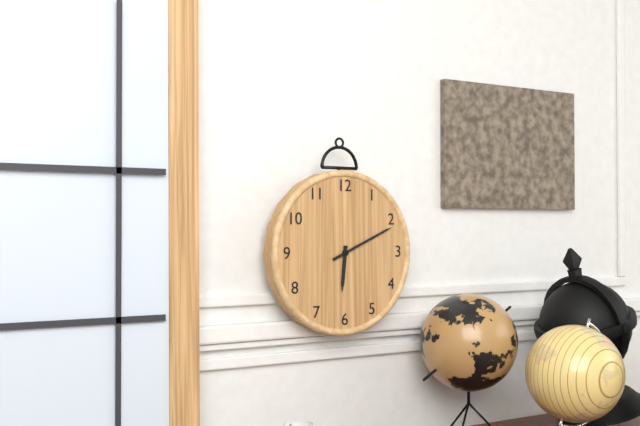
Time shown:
6.11
